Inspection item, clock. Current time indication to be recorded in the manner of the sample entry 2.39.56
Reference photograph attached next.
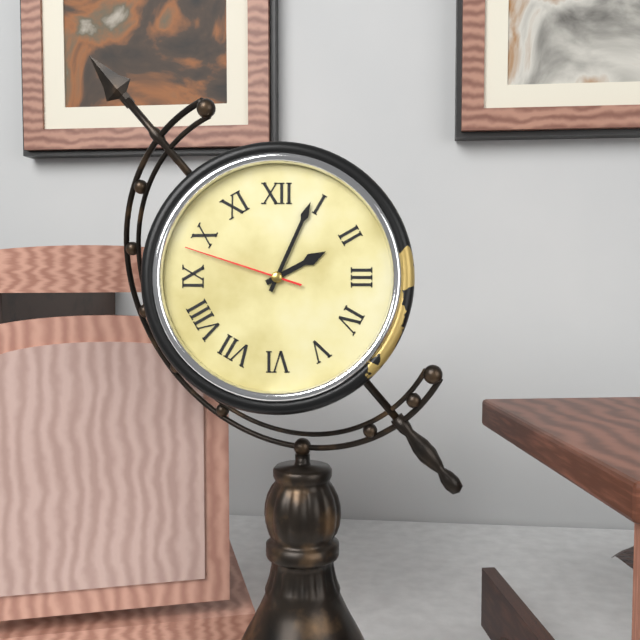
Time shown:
2.04.48
